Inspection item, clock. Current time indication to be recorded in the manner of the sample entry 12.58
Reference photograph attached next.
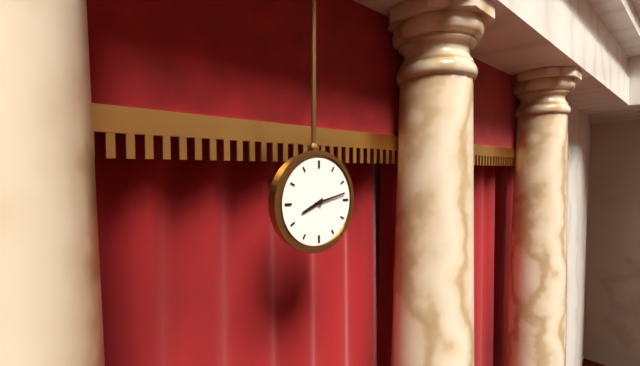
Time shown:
8.13
